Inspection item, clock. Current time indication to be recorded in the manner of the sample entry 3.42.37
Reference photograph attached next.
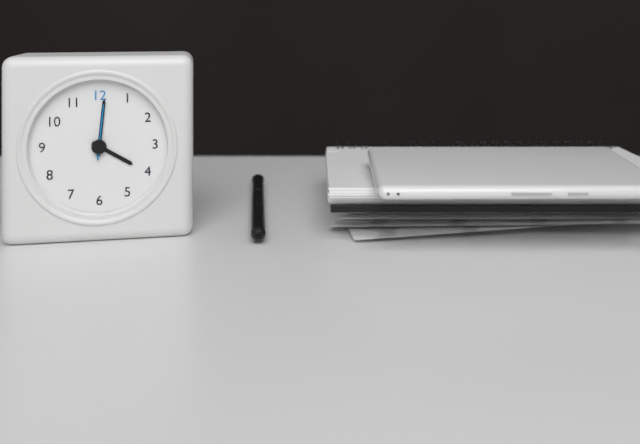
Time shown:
4.01.01
